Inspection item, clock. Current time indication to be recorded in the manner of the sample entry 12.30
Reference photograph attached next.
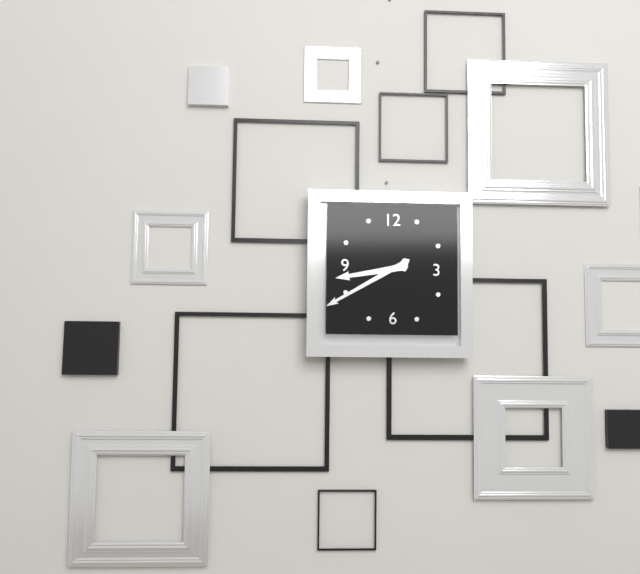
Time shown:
8.40
